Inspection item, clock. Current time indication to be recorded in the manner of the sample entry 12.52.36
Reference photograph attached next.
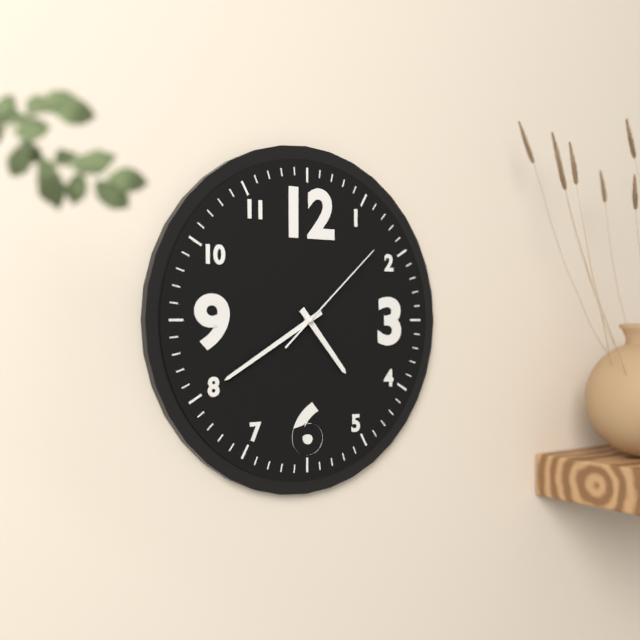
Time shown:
4.40.08
